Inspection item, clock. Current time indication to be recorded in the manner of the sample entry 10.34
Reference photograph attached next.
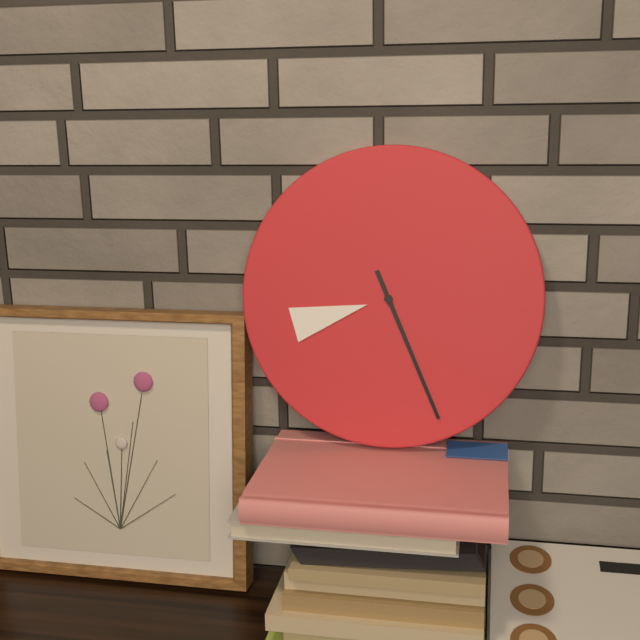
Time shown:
8.26
